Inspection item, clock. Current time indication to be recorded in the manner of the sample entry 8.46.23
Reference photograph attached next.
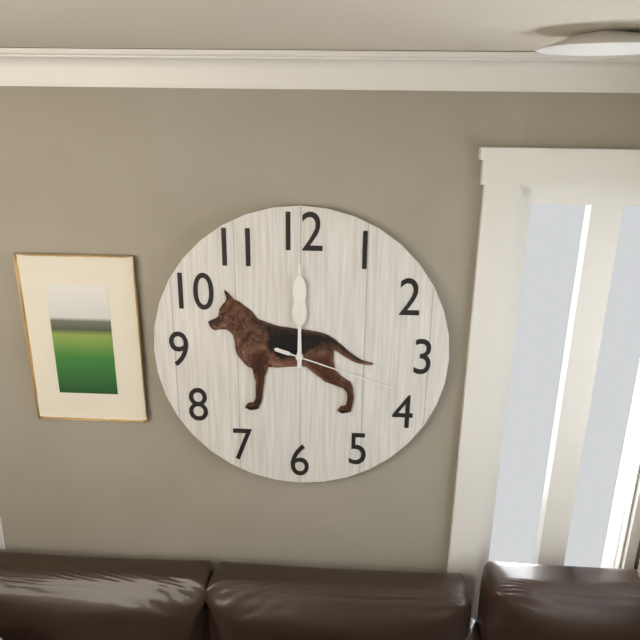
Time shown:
12.00.18
